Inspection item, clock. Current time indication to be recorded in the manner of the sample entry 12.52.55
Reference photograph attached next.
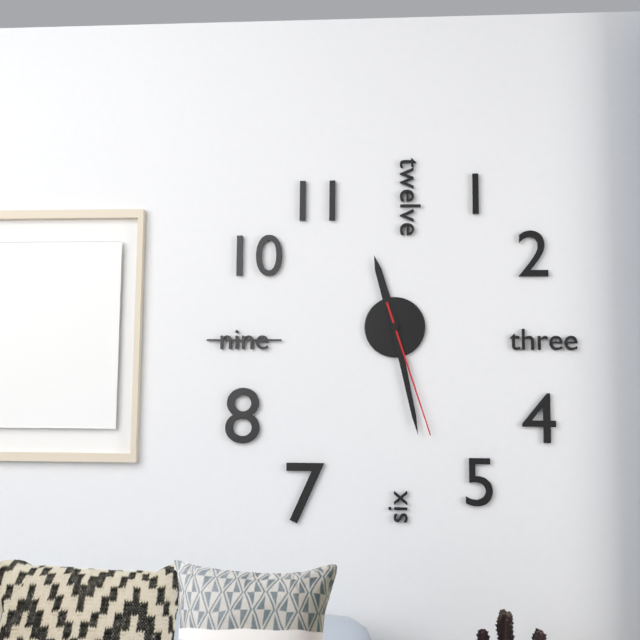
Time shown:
11.28.27
